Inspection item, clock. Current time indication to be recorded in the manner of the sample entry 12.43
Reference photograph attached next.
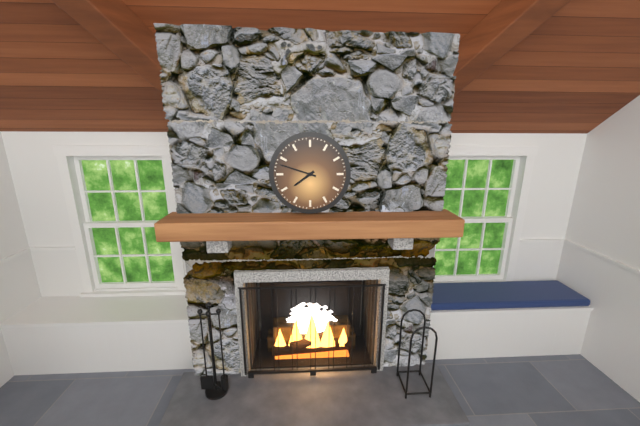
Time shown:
7.48
